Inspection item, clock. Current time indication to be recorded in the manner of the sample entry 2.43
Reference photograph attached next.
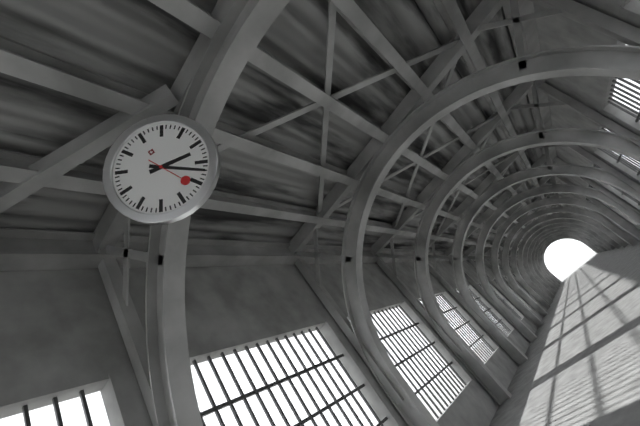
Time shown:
3.22
